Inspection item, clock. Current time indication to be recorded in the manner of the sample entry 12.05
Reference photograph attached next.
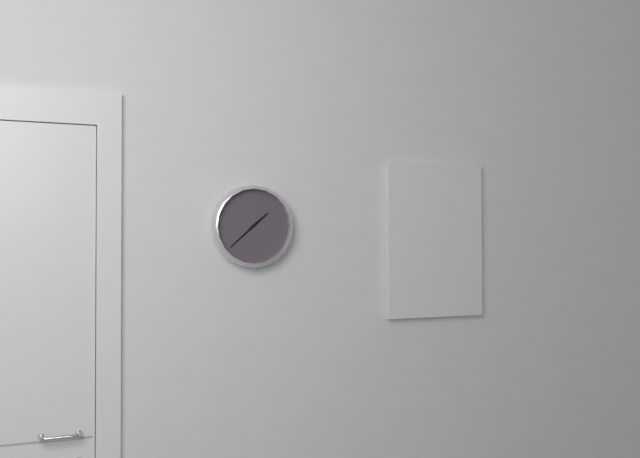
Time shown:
1.38
